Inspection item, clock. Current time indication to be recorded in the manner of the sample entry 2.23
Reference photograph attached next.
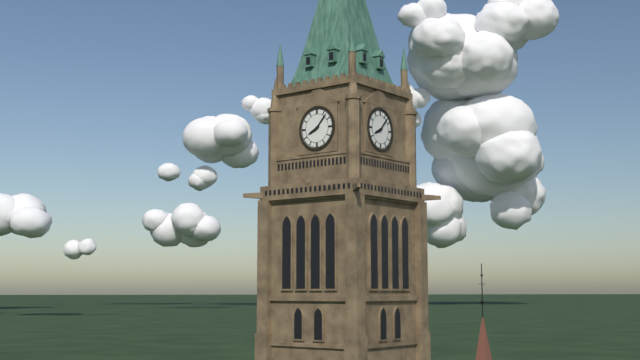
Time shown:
8.07
